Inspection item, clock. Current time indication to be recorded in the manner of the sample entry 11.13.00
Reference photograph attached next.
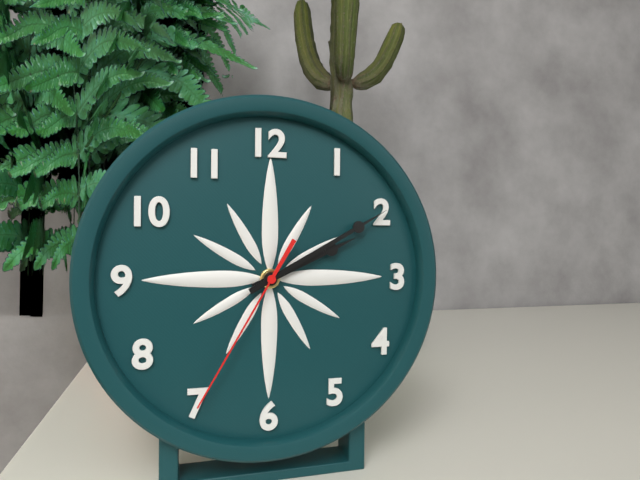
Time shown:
2.10.35
